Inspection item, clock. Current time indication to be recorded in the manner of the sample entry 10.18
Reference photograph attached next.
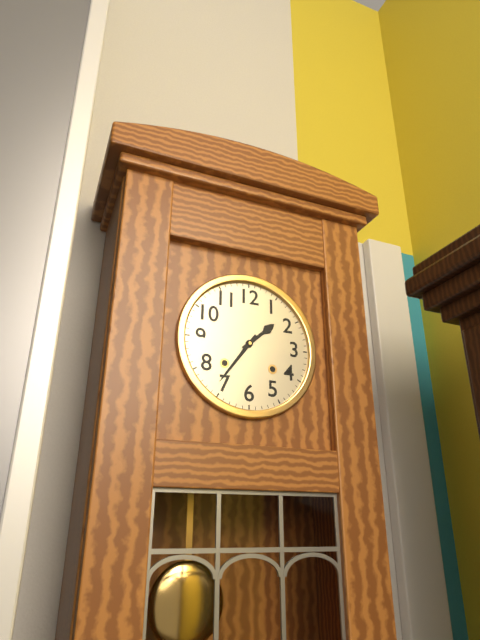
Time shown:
1.36
